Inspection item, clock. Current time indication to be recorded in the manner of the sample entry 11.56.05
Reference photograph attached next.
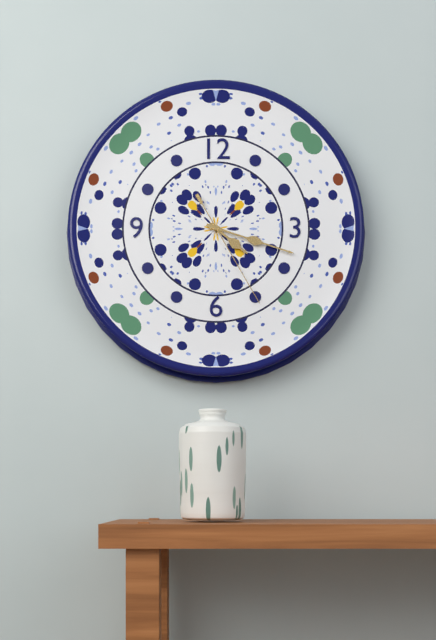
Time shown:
4.18.25
